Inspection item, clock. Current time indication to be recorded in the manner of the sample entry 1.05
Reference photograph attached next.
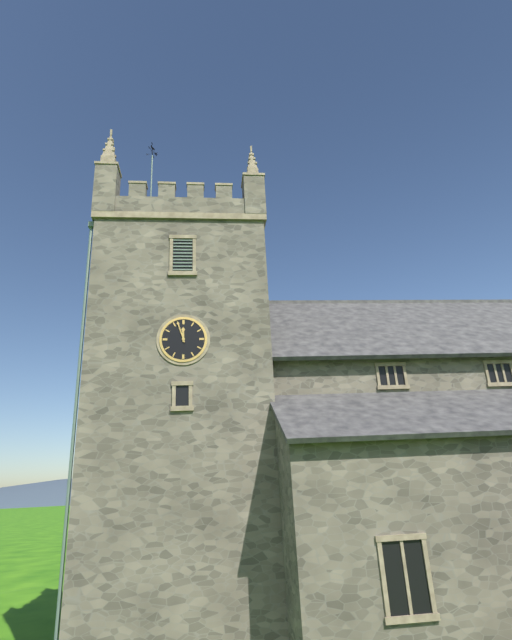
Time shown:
11.57
